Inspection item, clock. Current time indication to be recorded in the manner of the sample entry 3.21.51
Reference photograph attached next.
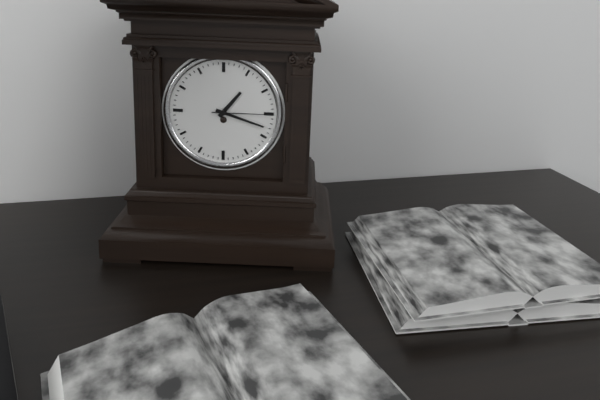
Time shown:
1.18.15
